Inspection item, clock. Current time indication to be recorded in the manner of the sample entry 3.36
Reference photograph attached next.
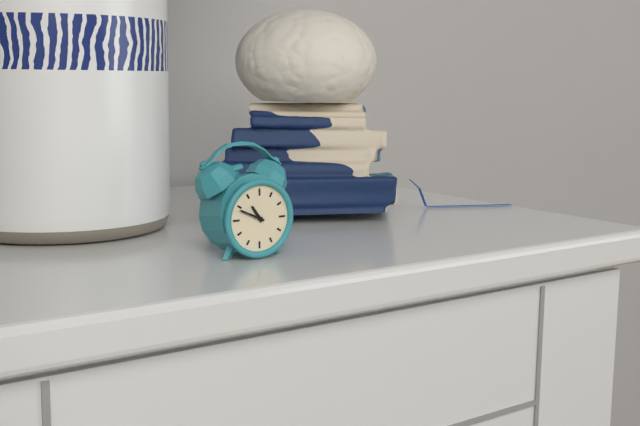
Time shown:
10.49
